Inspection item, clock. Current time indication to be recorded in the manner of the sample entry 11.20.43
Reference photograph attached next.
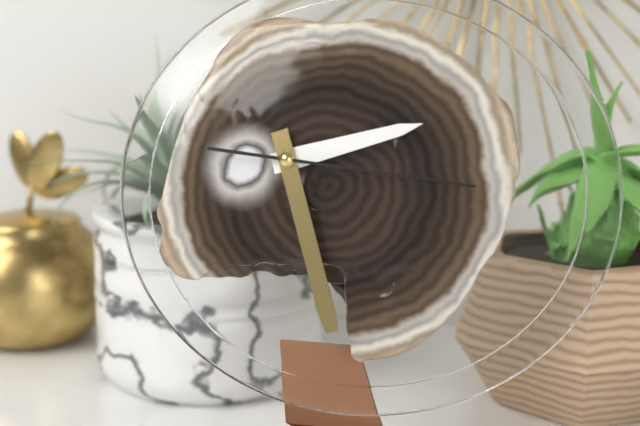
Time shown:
2.27.16
